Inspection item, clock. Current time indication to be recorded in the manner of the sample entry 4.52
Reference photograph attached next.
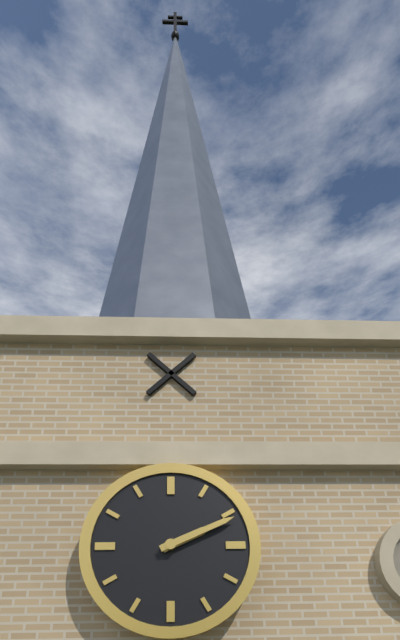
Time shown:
2.11
